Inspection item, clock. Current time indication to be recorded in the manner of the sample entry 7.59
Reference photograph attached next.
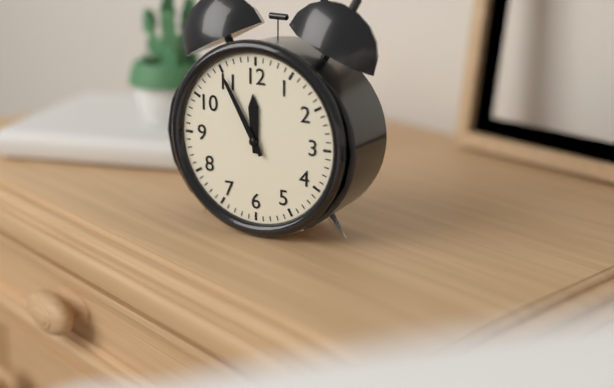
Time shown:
11.55
